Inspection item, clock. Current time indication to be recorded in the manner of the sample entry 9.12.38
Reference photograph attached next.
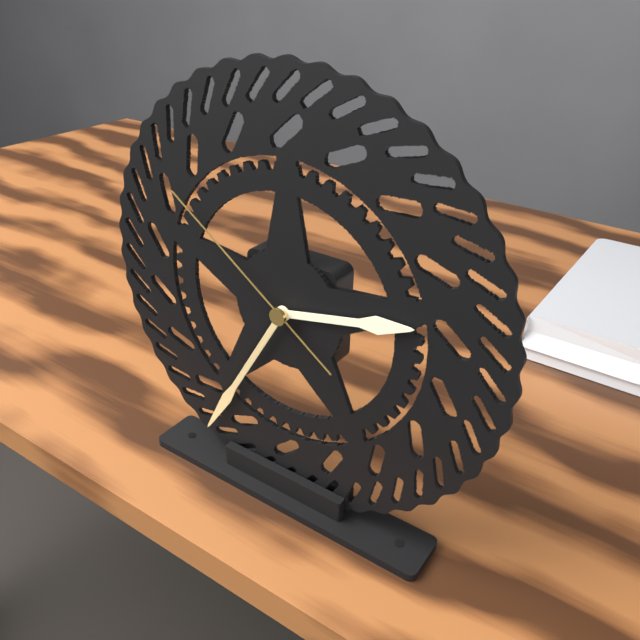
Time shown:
2.35.51
